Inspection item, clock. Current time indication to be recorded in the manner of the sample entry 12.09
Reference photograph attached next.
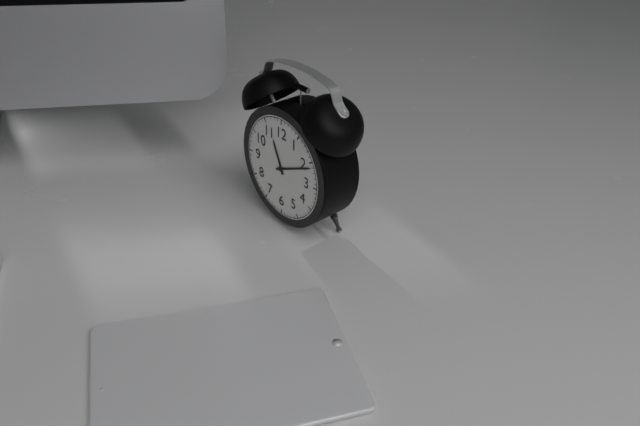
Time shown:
11.11
